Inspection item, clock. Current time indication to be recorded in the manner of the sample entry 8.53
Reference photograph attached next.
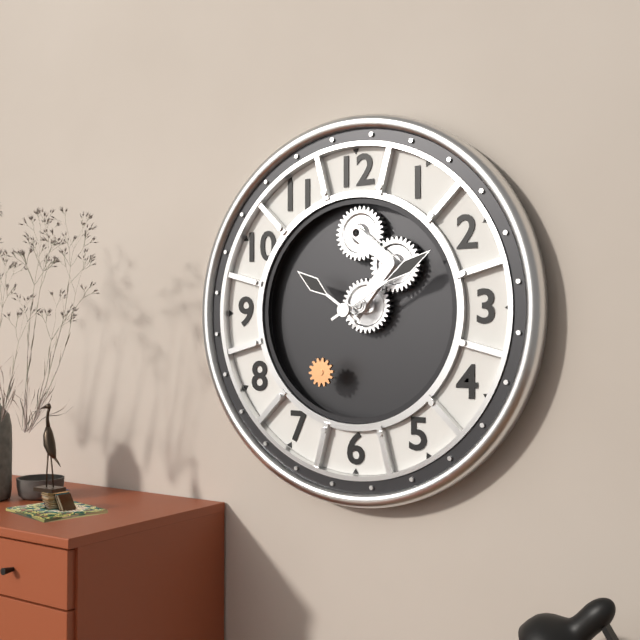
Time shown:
10.10
